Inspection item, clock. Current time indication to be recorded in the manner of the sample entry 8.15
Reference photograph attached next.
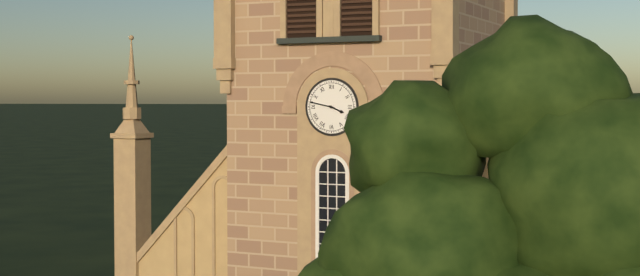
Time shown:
3.47
